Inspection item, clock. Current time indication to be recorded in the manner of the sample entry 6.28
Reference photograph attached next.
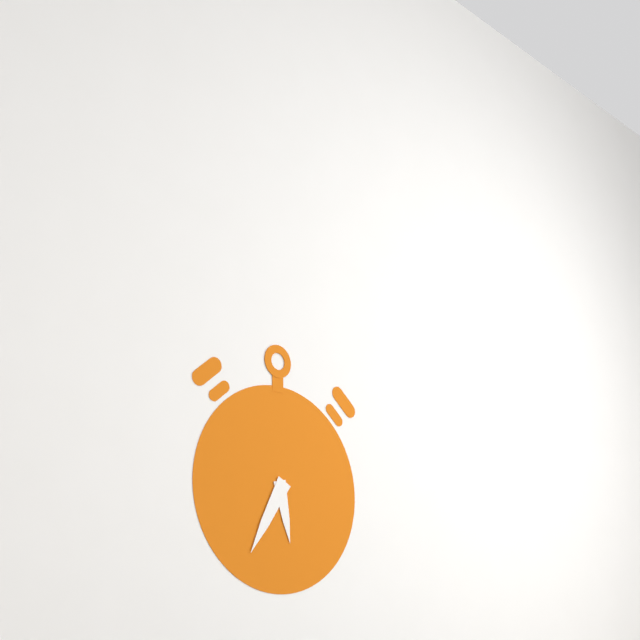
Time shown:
5.35
